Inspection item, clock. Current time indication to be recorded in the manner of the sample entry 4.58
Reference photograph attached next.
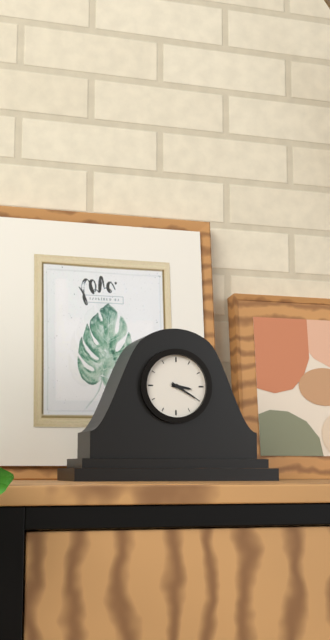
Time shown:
3.20
